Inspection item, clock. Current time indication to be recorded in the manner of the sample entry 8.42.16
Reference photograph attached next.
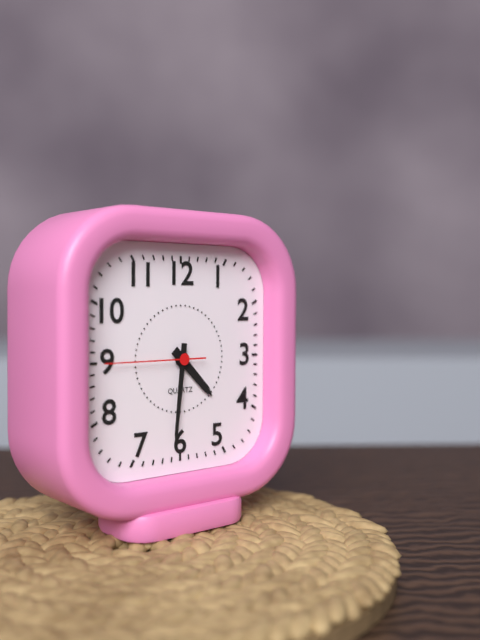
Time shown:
4.31.45
